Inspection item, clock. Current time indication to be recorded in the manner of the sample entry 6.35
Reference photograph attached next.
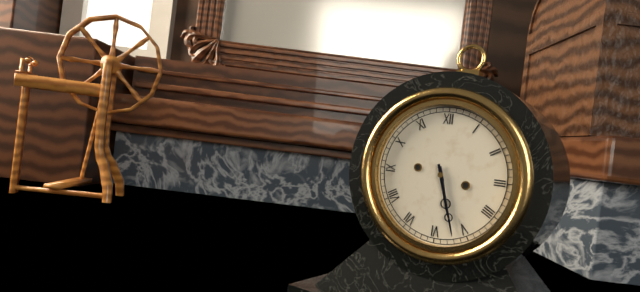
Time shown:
5.27
